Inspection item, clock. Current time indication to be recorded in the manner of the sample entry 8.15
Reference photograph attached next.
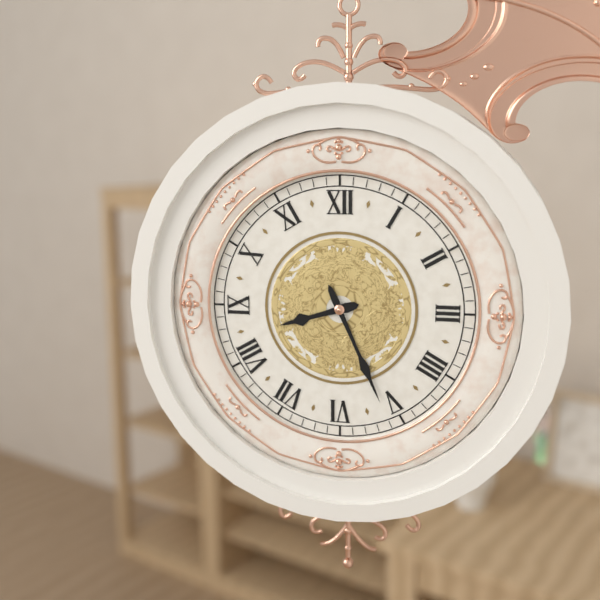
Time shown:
8.26
